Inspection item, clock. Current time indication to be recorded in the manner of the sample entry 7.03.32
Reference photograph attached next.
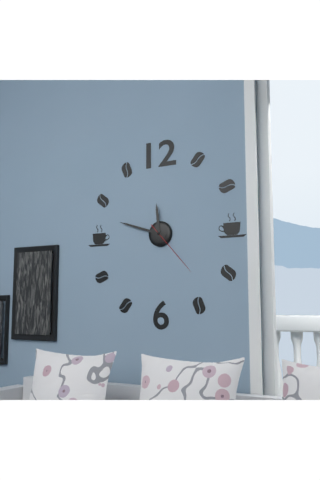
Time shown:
11.48.23
